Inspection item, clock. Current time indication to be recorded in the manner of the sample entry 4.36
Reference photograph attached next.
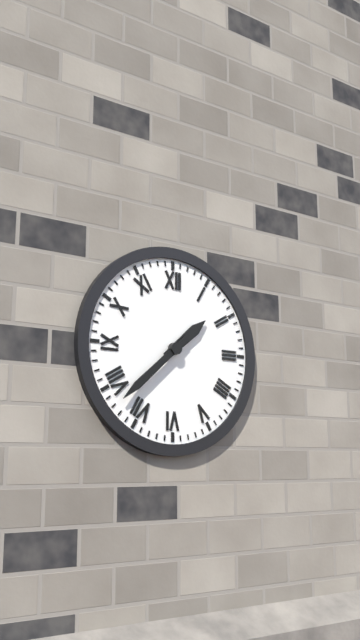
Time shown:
1.38
